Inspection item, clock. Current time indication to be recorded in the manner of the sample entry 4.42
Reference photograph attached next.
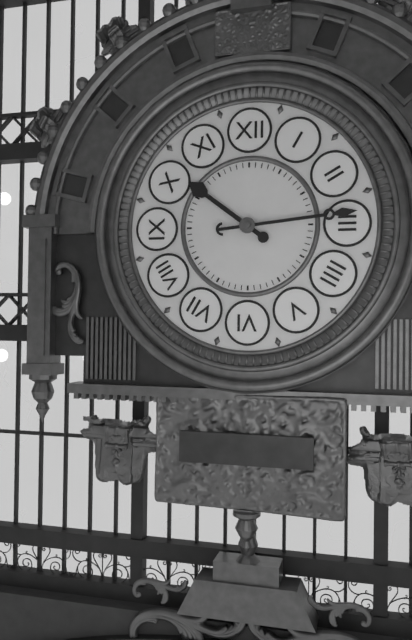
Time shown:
10.14
